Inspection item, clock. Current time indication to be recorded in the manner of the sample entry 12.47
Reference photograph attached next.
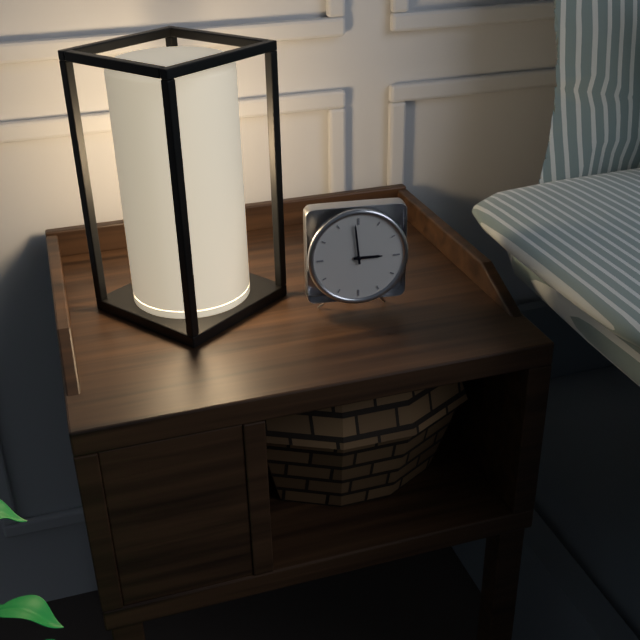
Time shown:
2.59
